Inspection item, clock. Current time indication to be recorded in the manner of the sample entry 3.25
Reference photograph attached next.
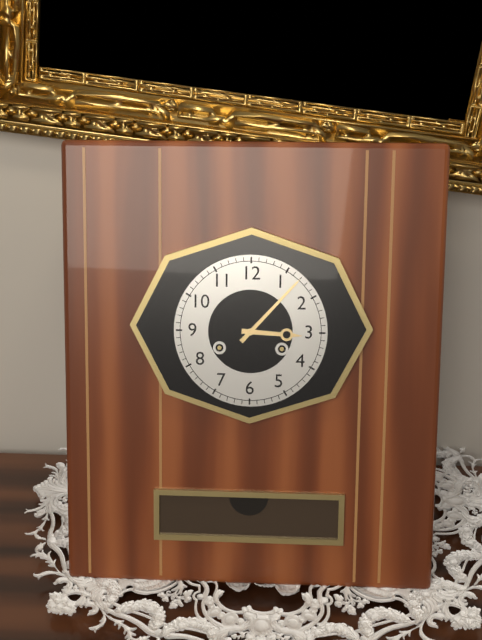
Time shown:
3.07
